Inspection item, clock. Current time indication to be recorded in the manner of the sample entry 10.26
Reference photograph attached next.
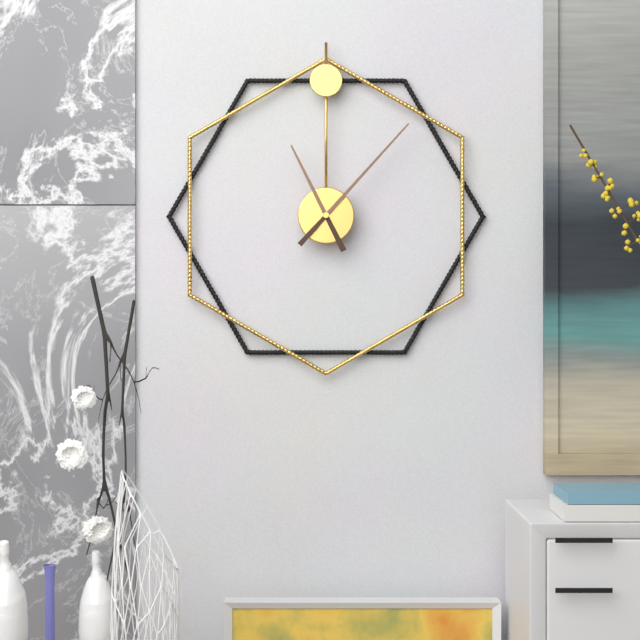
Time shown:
11.07
